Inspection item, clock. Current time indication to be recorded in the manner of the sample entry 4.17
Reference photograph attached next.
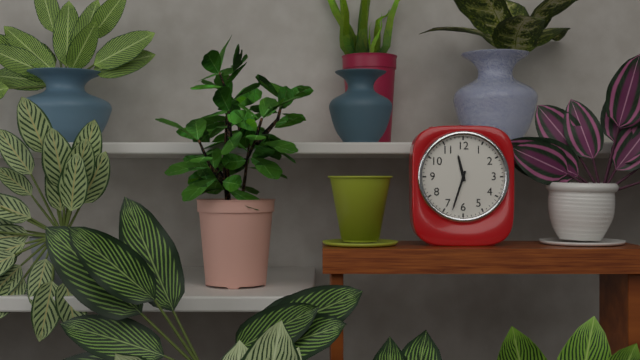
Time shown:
11.33
